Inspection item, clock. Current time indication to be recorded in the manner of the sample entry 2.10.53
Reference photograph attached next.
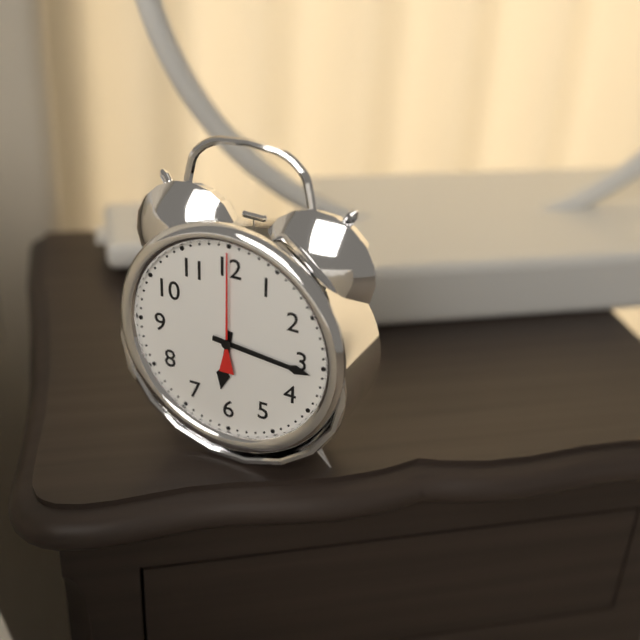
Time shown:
6.16.00
